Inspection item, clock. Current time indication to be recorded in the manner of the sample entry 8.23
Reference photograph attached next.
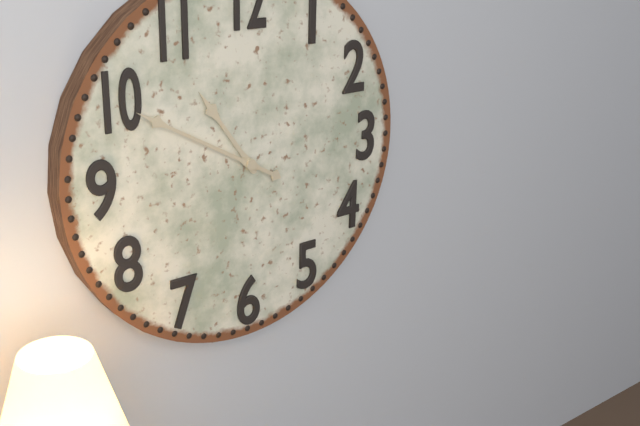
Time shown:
10.50
